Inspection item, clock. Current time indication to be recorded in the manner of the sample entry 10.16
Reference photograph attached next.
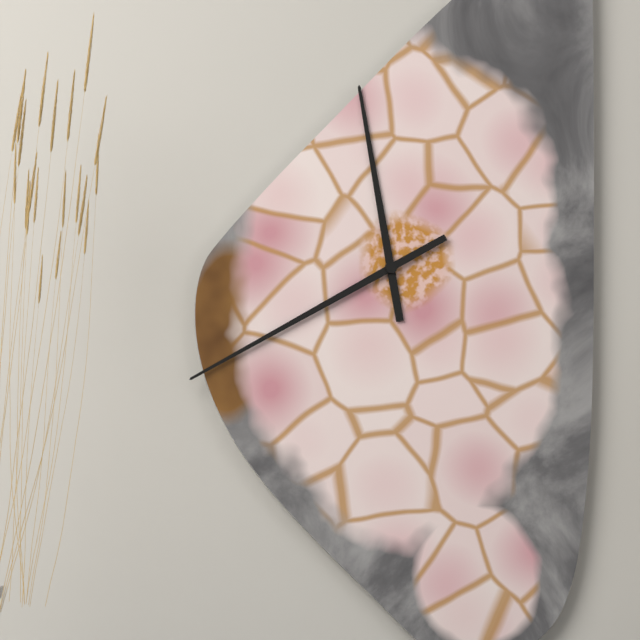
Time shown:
11.40
